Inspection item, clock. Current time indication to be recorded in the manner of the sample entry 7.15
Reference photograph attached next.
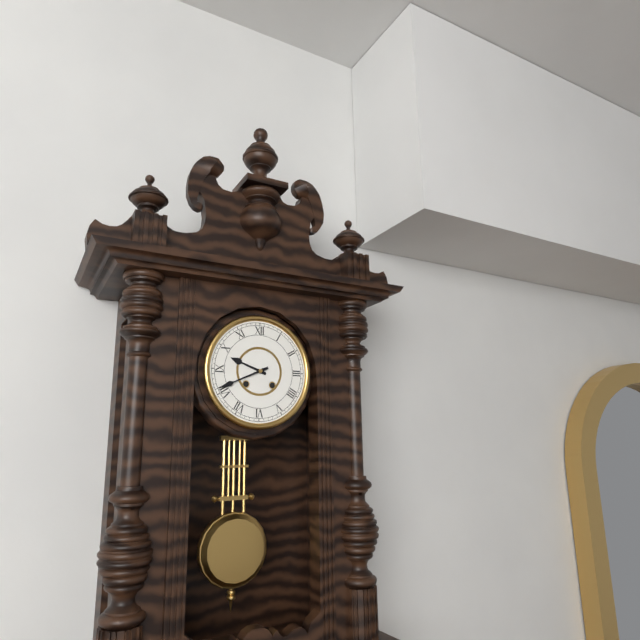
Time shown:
9.41
